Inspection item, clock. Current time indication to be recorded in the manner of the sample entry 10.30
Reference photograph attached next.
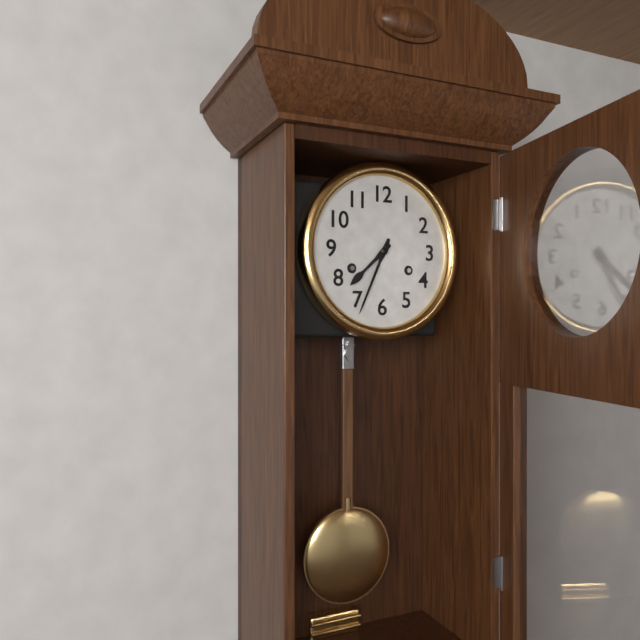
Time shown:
7.34
